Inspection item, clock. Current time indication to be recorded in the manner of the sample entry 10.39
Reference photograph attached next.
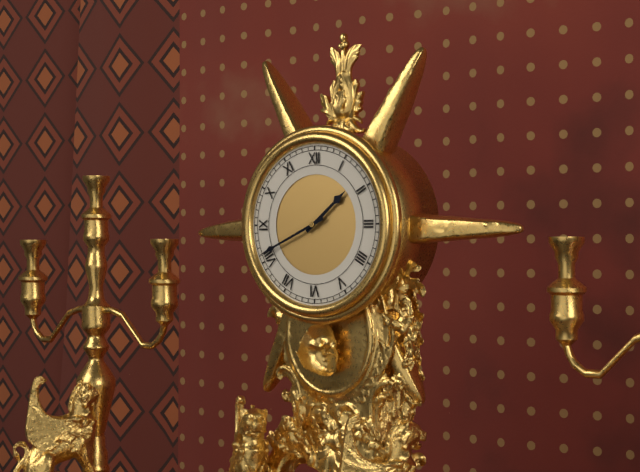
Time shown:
1.41
